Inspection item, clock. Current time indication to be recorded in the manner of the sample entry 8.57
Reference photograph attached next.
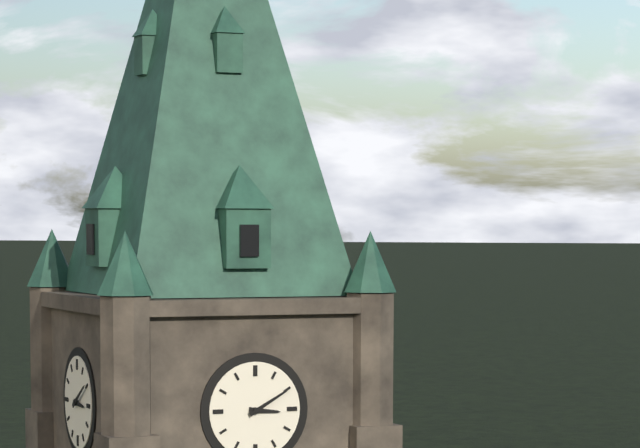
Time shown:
3.10
